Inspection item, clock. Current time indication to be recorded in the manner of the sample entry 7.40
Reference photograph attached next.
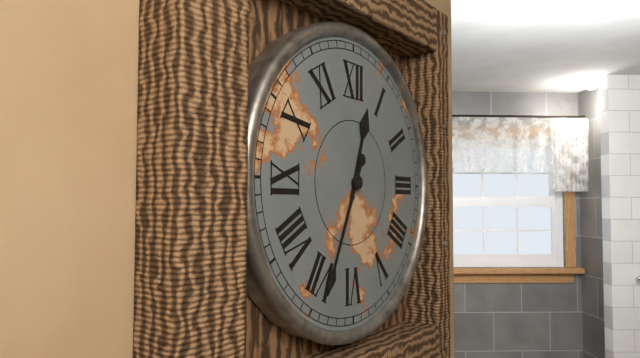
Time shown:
12.34
